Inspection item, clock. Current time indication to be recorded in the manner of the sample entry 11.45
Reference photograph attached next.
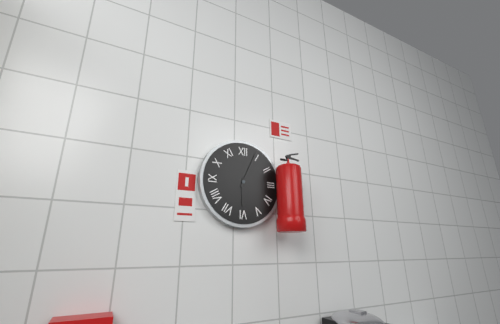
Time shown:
6.04
